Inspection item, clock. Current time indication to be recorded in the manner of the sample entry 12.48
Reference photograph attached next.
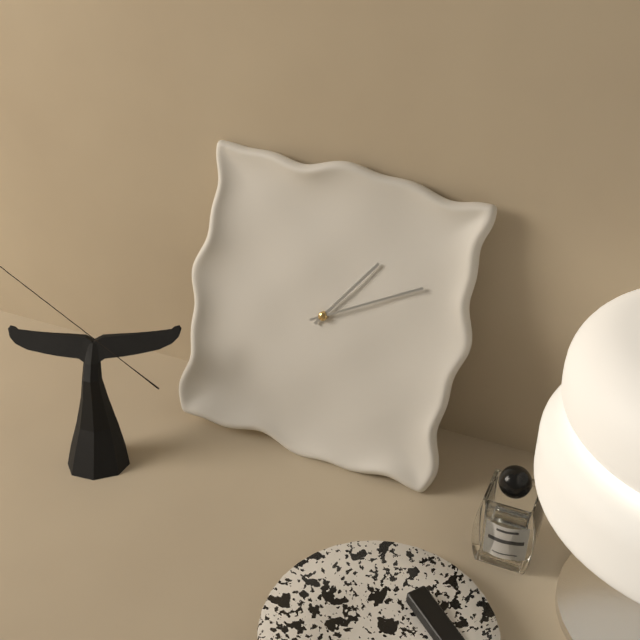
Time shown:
1.10
